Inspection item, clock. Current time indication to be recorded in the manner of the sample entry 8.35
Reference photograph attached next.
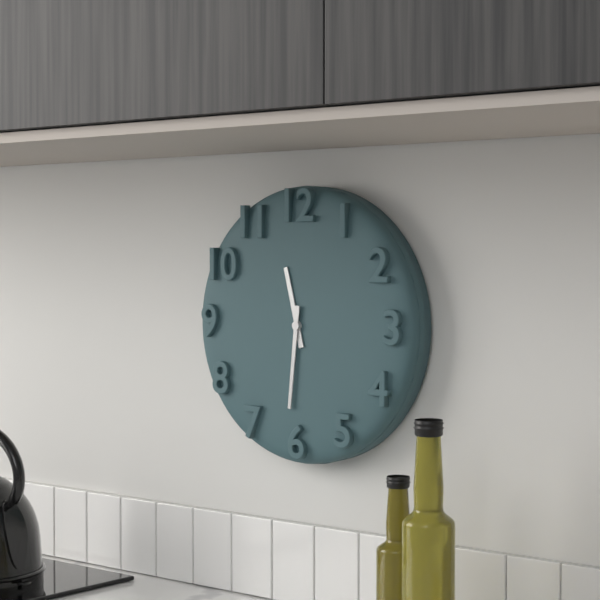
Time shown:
11.31
